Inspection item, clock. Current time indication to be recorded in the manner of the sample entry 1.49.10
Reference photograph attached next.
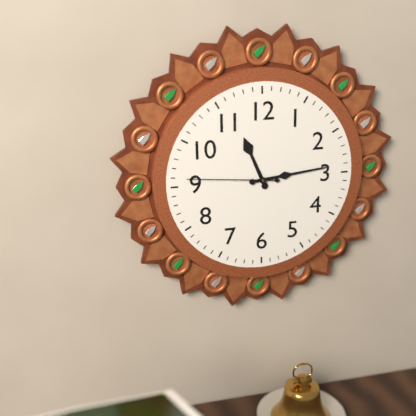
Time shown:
11.14.46
